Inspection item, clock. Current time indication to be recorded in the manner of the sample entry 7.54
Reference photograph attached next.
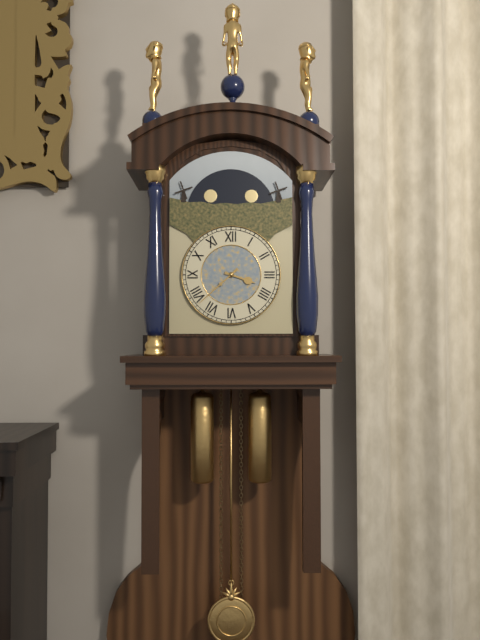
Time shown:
3.38
